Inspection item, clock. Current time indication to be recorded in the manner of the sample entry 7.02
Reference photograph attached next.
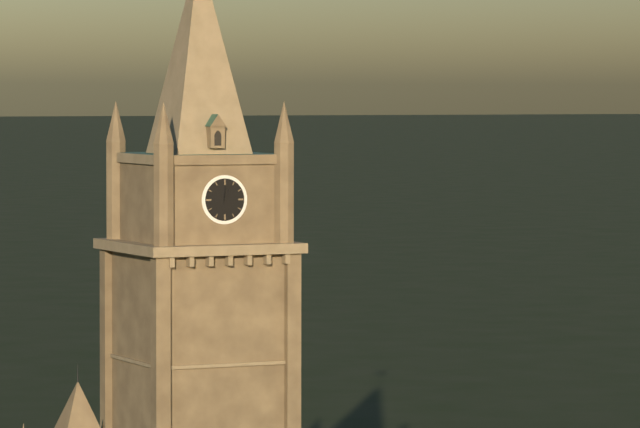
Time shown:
1.01
